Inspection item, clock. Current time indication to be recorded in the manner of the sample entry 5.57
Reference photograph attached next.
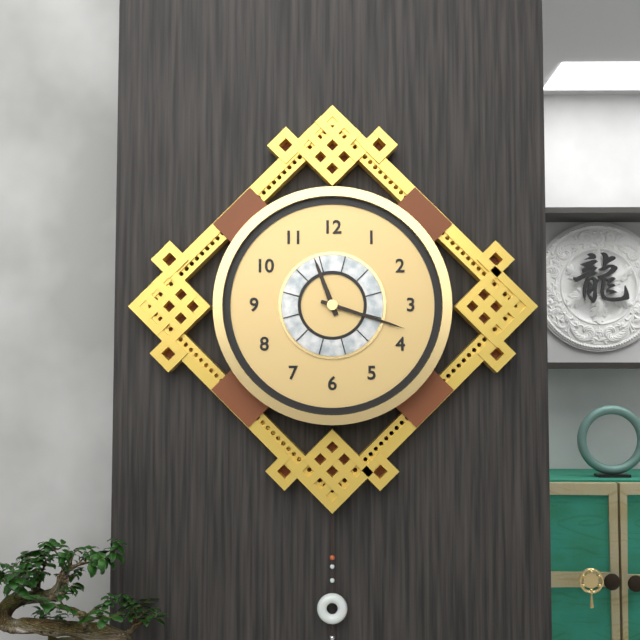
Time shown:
11.18
